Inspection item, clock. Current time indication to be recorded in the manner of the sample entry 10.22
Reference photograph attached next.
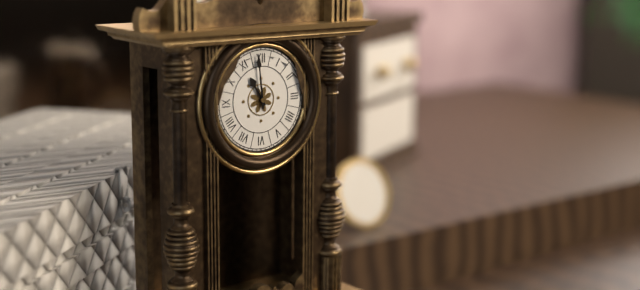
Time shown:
10.59
